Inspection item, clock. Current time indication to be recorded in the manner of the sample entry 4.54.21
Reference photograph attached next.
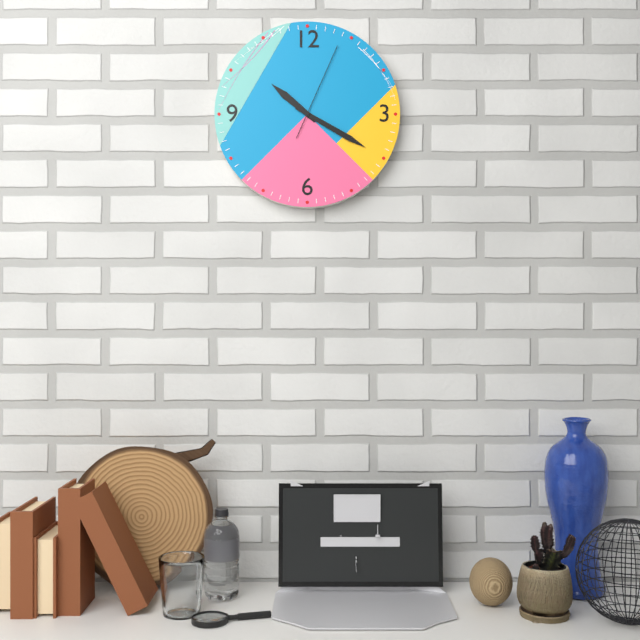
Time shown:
10.20.04
